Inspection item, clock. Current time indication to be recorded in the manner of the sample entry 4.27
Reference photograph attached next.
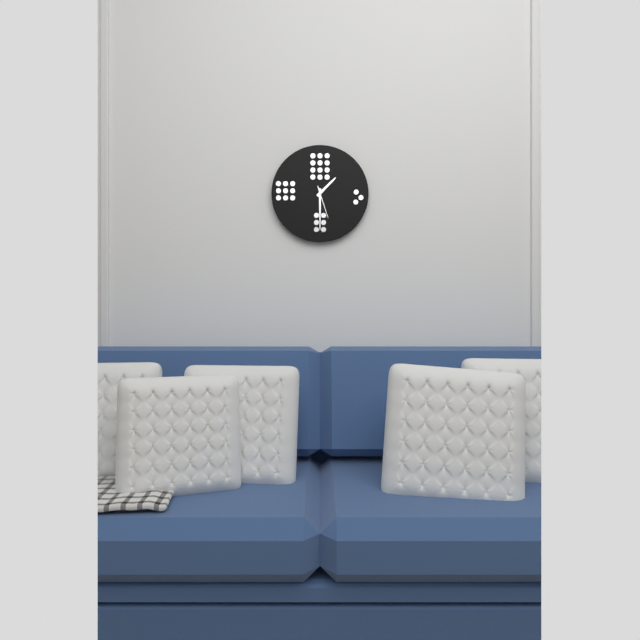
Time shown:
1.30
